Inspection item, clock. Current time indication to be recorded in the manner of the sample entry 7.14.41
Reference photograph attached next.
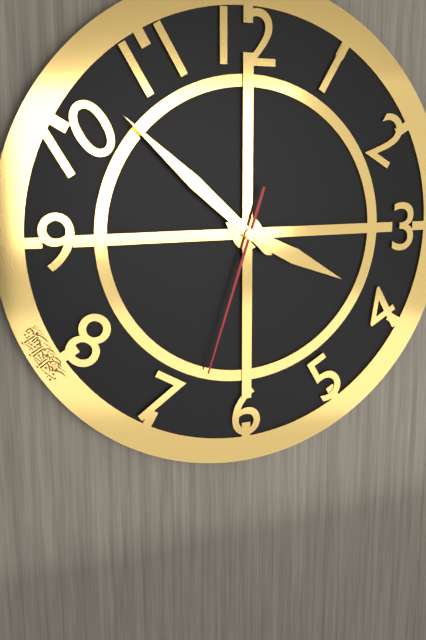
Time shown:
3.52.33
